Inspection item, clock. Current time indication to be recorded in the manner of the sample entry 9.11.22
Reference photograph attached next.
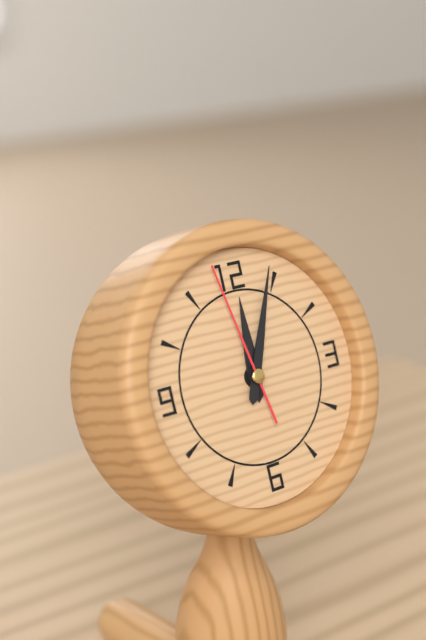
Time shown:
12.04.58
